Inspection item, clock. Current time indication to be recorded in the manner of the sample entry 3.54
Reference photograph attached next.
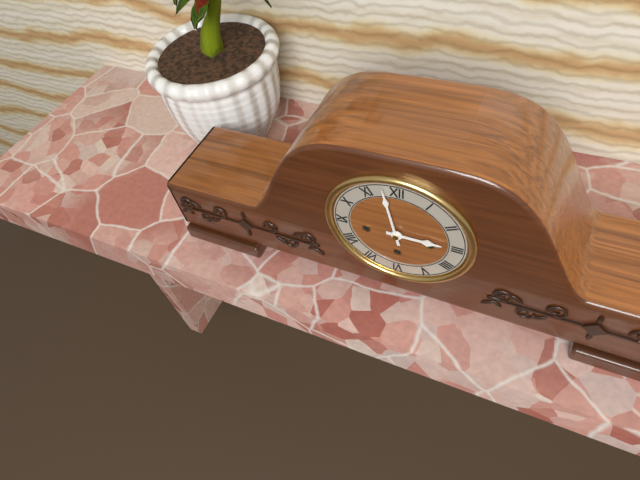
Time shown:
2.58
